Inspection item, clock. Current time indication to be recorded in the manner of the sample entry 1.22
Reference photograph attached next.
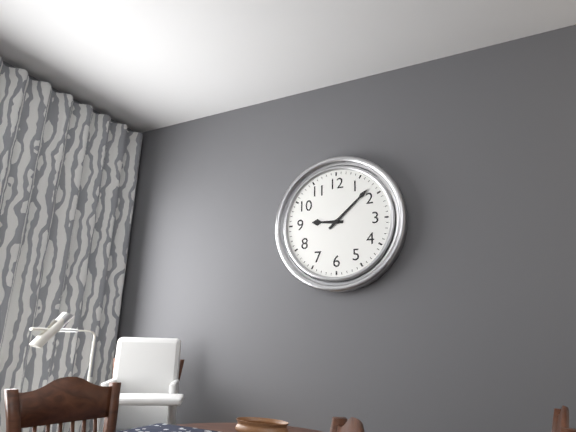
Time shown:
9.08
